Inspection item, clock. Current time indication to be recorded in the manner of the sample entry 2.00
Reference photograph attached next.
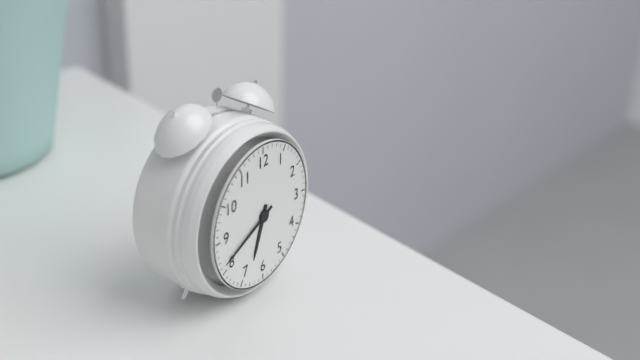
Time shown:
6.41
